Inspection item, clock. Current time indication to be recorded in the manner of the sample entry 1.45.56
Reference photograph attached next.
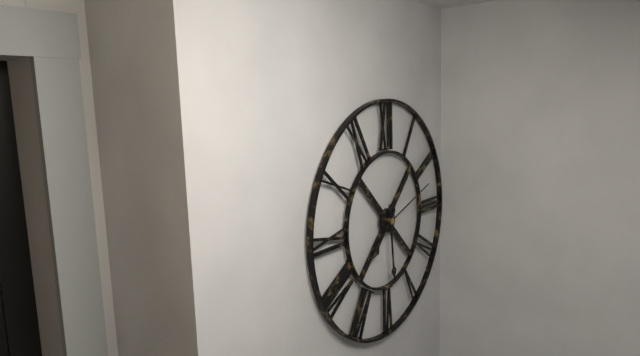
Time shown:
7.29.12
